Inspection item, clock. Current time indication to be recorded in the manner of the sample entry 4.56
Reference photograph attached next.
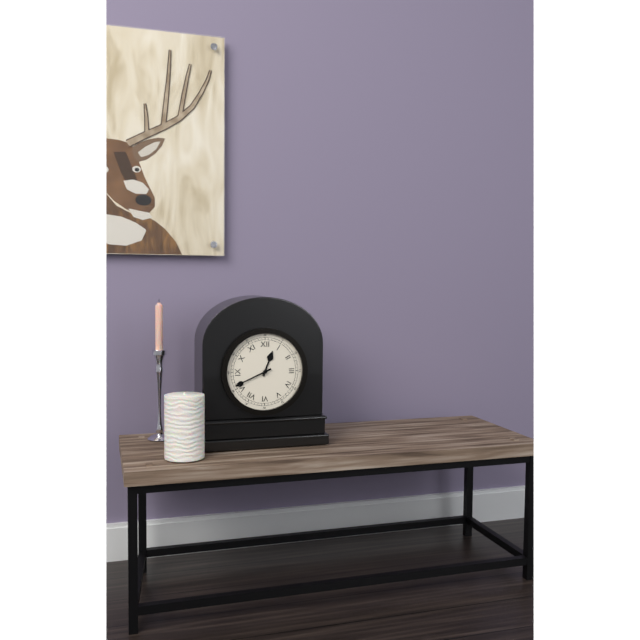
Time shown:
12.41
